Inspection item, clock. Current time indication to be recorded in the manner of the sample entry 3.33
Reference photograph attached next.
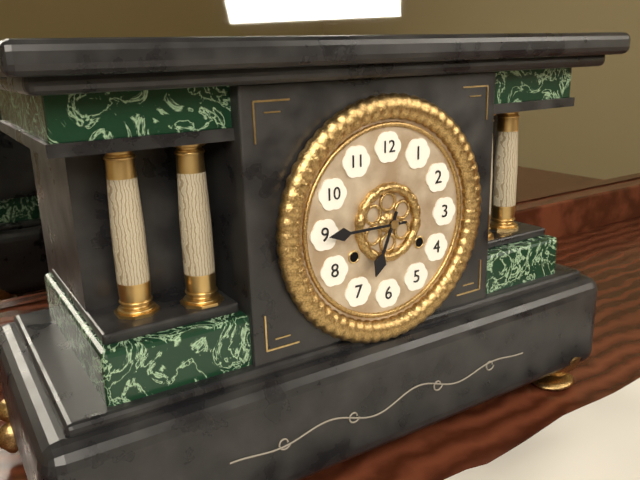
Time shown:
6.45
